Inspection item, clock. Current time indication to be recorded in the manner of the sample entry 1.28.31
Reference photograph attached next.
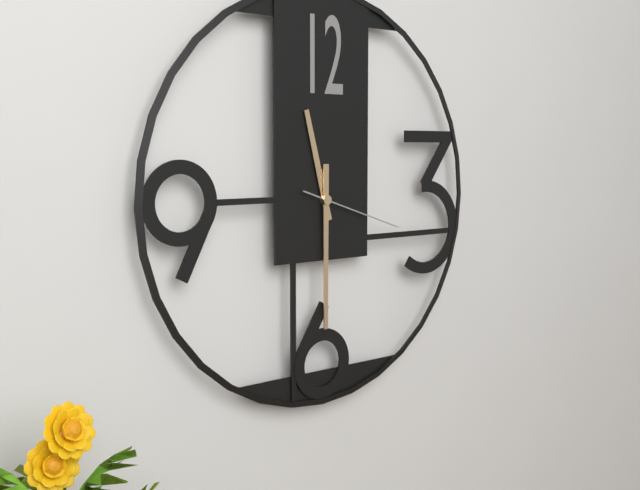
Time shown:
11.30.18
